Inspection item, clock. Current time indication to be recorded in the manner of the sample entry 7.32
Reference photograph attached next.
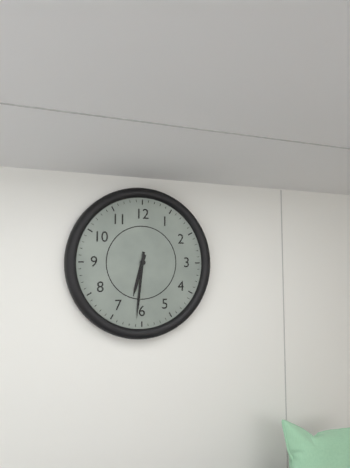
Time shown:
6.31
